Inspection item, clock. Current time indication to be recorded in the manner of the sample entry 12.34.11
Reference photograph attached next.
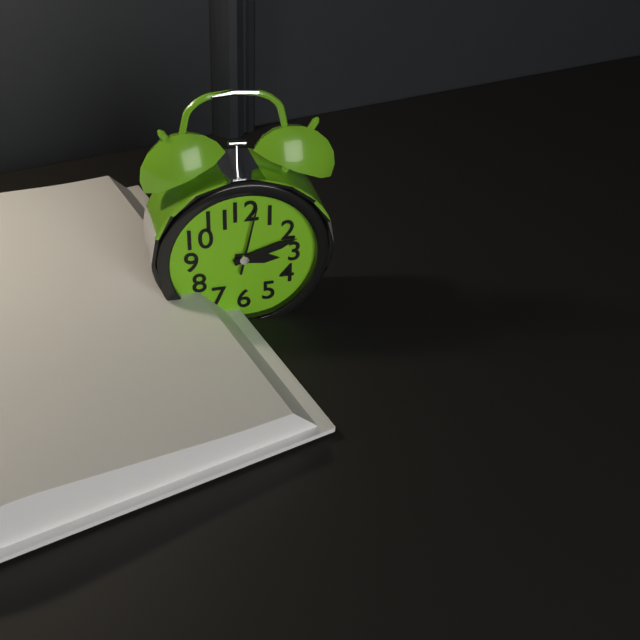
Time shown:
3.12.02
